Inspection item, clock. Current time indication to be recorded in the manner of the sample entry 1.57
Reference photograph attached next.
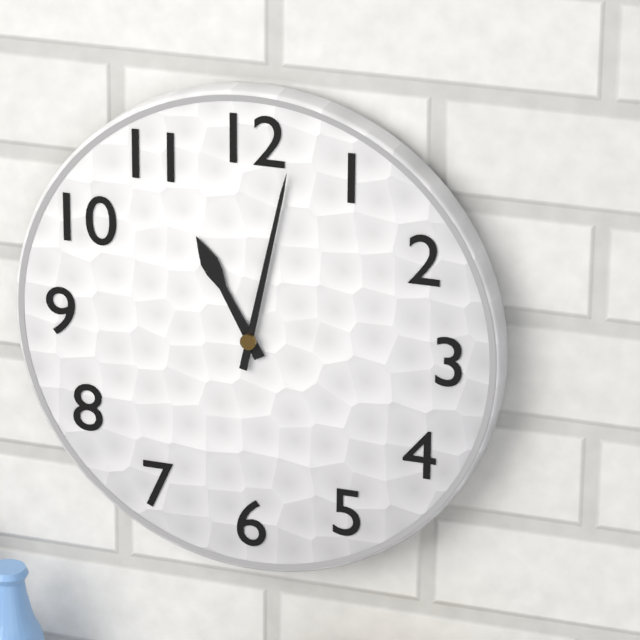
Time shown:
11.02
